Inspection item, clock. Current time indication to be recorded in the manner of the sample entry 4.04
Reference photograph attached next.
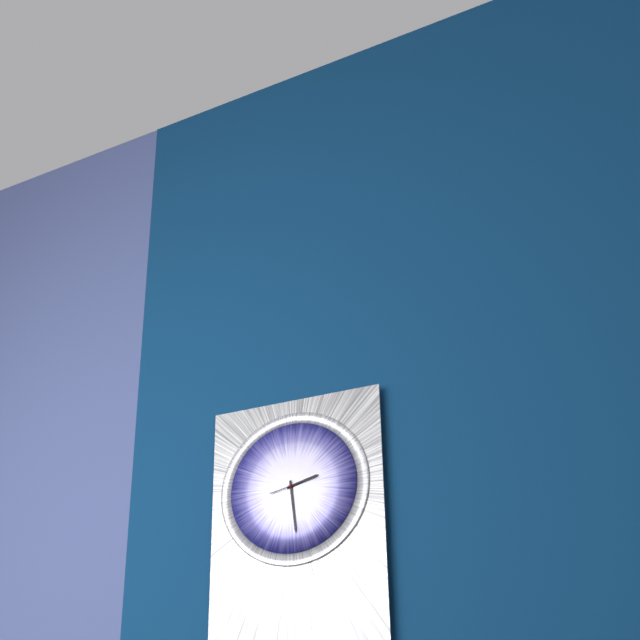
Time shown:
2.29
